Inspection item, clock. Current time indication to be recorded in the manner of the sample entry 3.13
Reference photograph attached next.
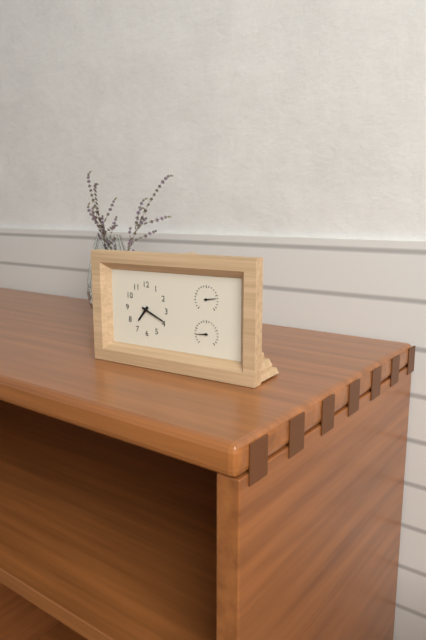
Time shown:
7.19
